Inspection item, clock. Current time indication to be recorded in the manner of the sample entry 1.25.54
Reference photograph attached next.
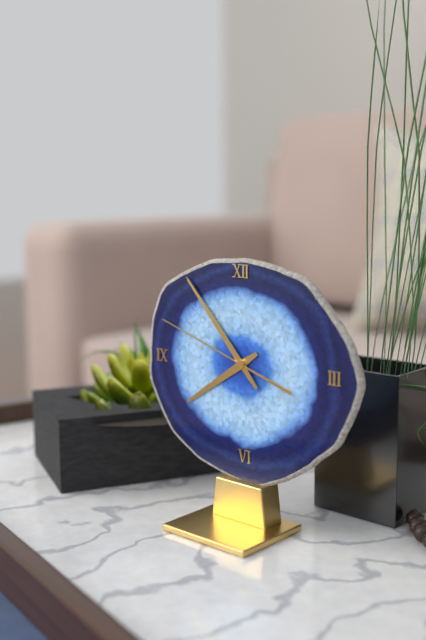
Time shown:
7.53.48
